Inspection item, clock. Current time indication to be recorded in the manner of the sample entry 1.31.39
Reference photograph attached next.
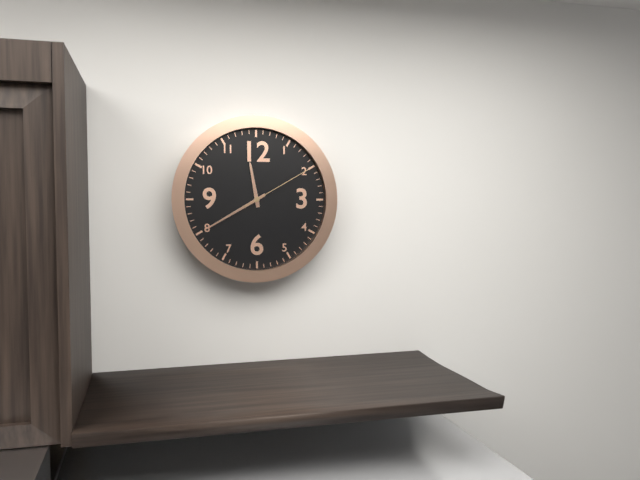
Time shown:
11.40.10
